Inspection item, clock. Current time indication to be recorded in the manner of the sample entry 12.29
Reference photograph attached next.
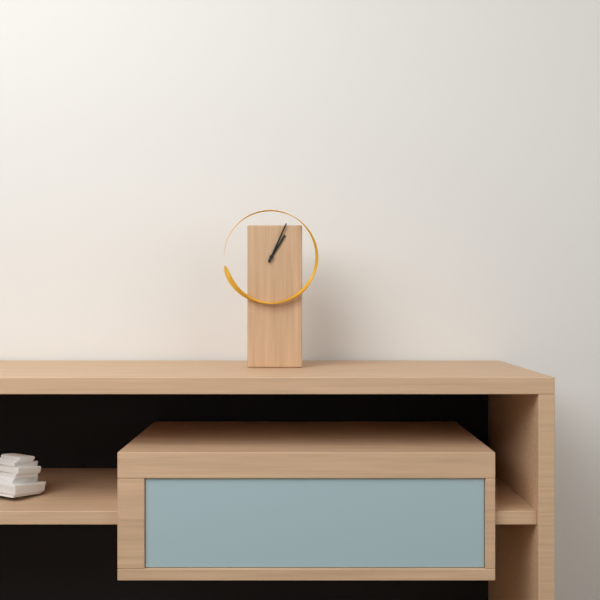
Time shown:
1.04
